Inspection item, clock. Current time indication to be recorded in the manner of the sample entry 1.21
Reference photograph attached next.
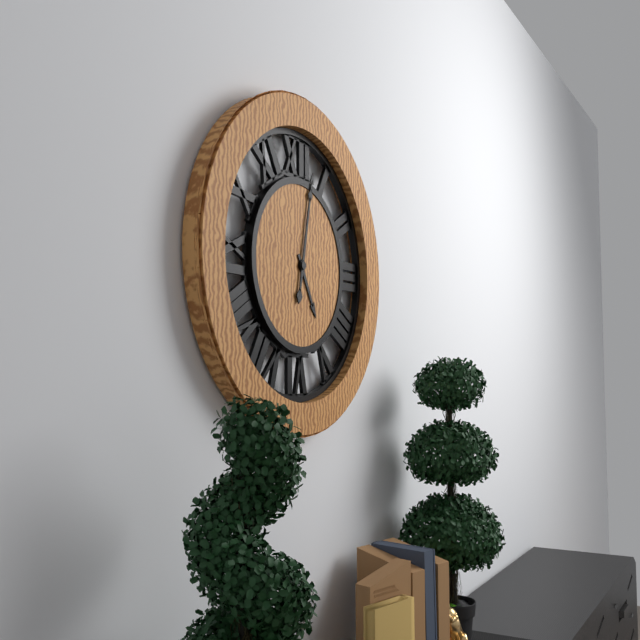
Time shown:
5.02
